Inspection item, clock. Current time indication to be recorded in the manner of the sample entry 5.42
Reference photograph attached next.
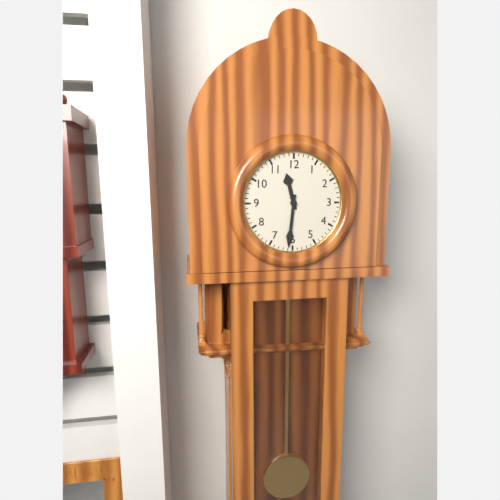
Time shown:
11.31
